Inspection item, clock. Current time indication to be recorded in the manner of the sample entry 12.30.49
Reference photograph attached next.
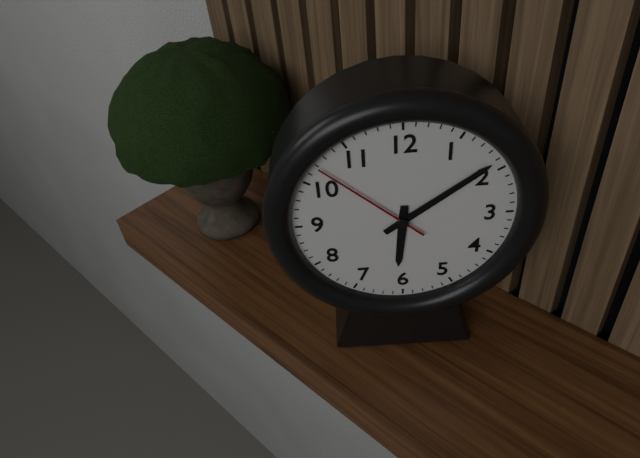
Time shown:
6.09.52
